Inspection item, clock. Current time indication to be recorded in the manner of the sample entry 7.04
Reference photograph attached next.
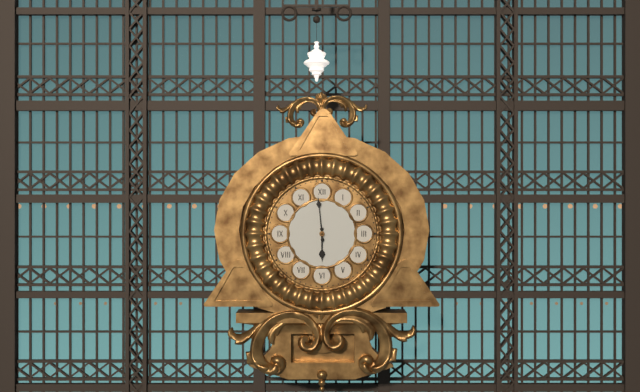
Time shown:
5.59
